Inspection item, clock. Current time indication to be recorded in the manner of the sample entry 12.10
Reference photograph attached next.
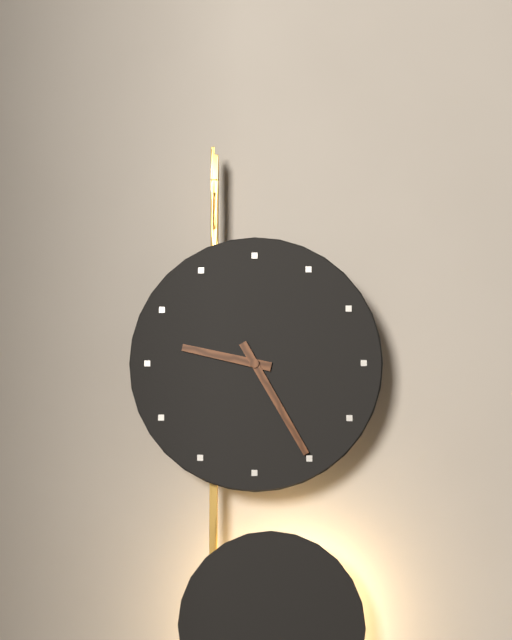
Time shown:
9.25
